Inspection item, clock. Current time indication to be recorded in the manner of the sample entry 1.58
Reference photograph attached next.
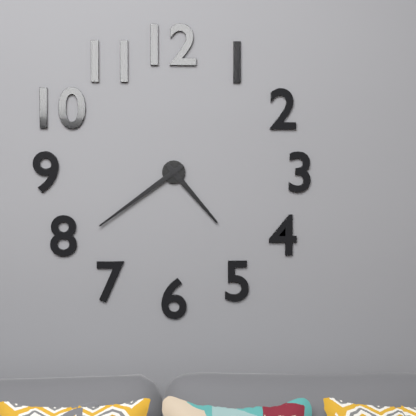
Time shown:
4.39
